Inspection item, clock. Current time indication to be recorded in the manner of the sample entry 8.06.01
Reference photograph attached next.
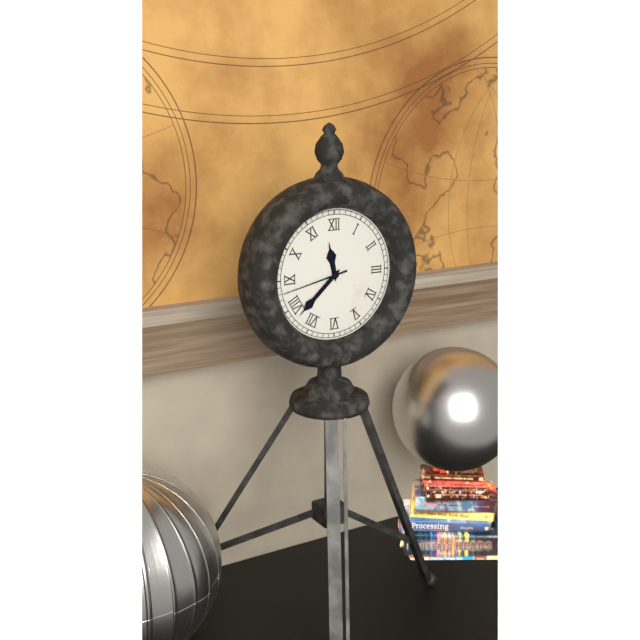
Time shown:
11.38.43
